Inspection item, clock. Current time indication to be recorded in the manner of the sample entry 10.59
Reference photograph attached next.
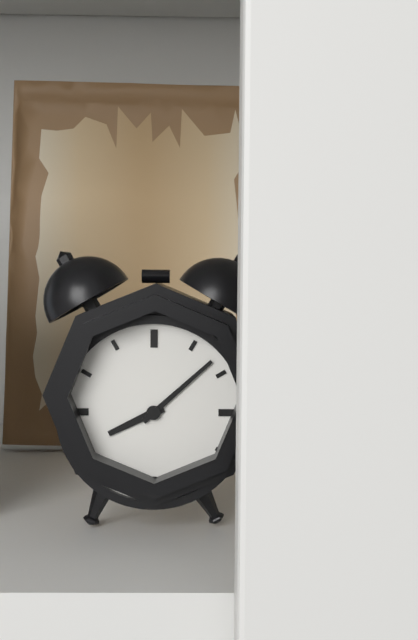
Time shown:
8.08
